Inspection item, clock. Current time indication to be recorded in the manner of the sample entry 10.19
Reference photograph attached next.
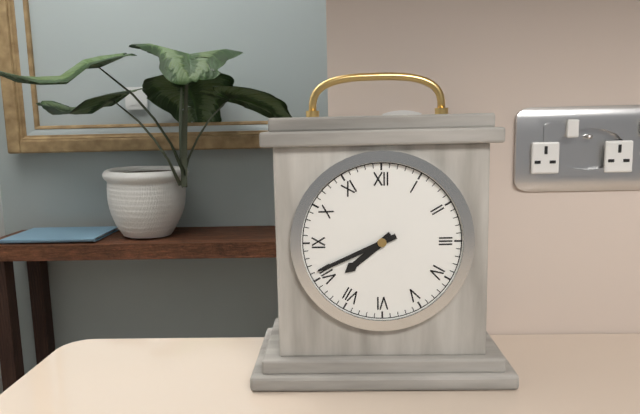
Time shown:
7.41
